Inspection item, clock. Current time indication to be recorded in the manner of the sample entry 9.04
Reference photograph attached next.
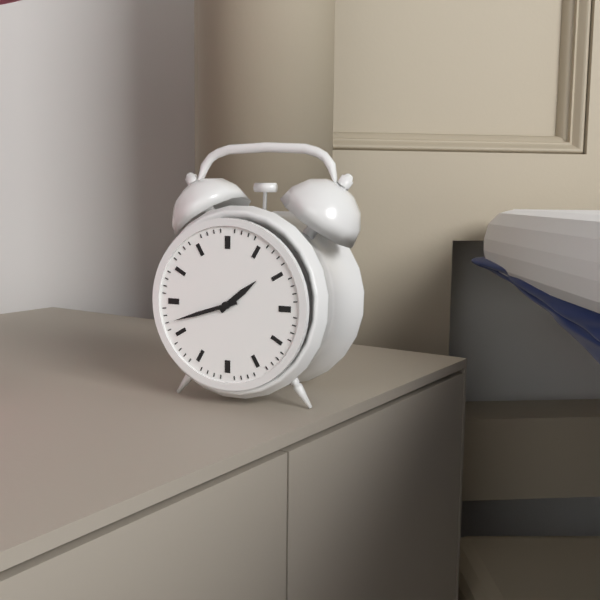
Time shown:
1.42
